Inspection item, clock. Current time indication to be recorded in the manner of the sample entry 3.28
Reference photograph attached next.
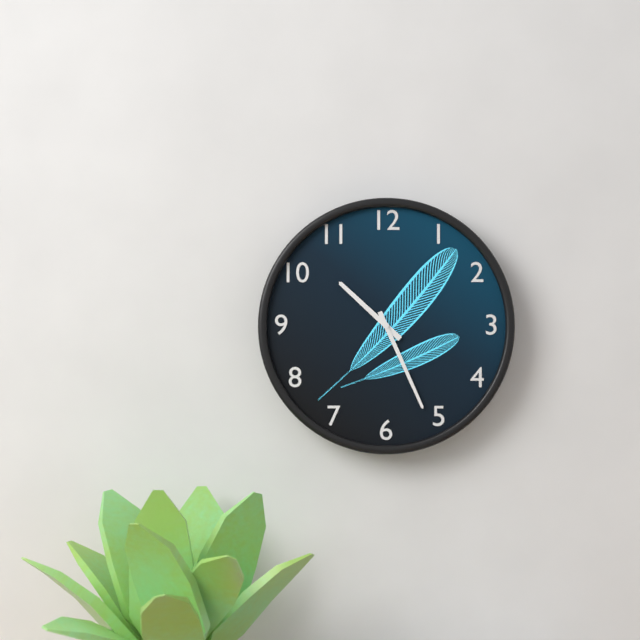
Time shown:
10.26
